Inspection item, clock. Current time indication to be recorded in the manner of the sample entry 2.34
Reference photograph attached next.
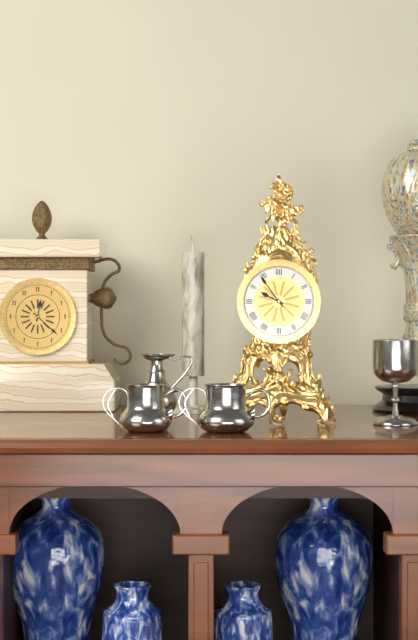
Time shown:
9.54
